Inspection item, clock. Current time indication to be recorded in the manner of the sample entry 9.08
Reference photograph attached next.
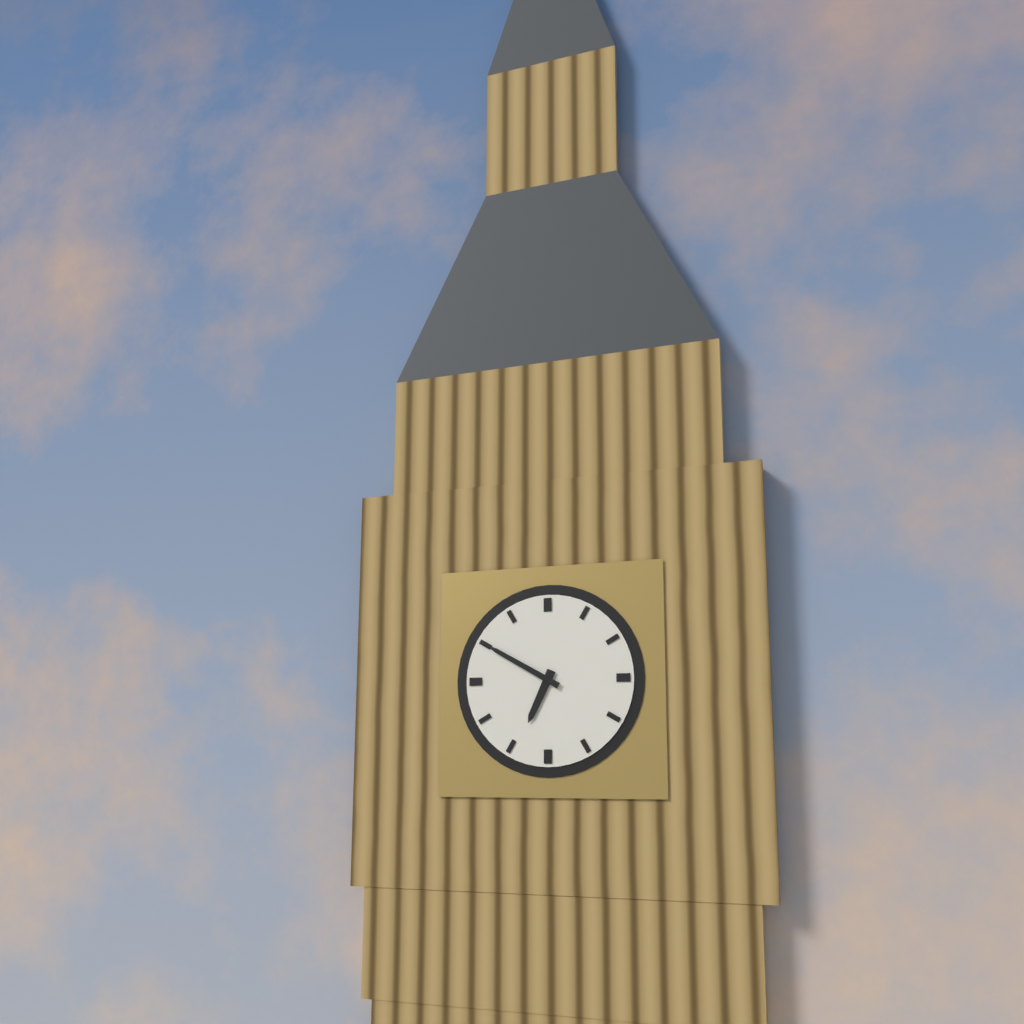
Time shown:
6.50
